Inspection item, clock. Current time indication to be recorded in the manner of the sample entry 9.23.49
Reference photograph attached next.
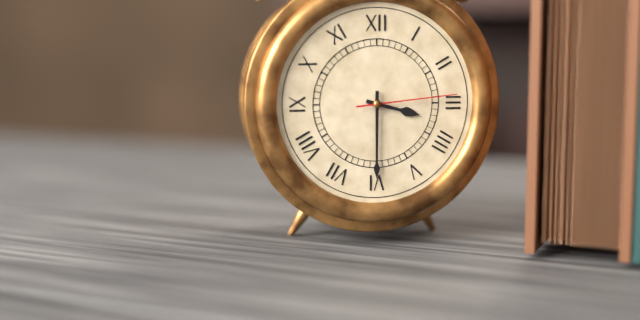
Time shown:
3.30.14
